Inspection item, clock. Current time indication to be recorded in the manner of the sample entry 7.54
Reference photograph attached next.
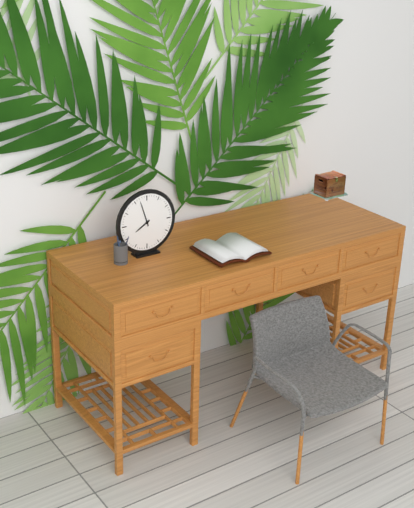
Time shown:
7.57
